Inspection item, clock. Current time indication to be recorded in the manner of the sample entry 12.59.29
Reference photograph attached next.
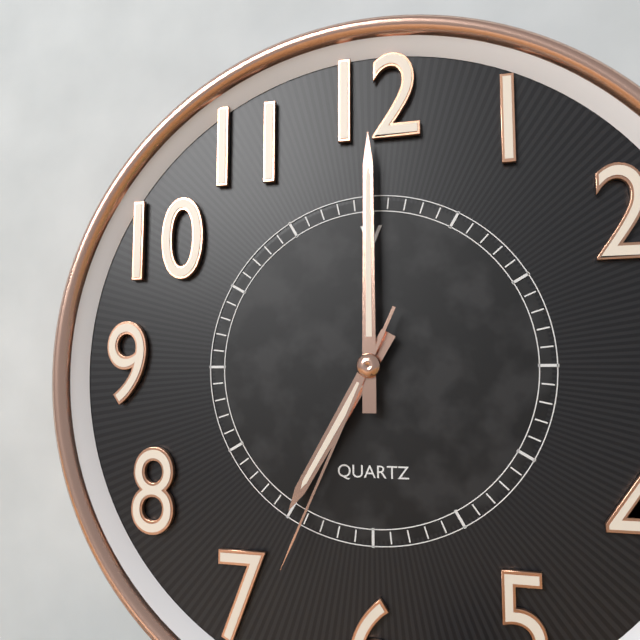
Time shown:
7.00.34
